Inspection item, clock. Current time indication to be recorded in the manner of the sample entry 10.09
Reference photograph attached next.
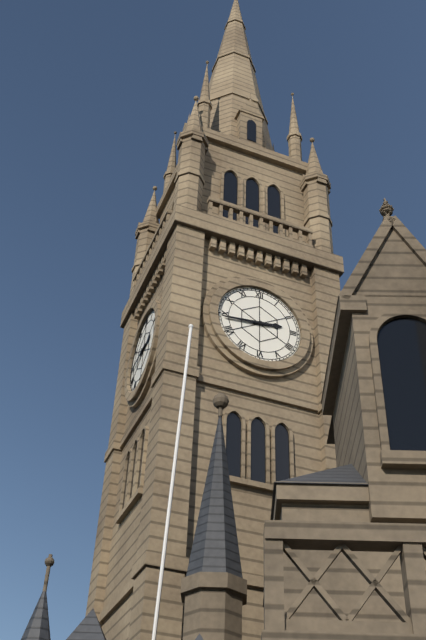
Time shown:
2.44
